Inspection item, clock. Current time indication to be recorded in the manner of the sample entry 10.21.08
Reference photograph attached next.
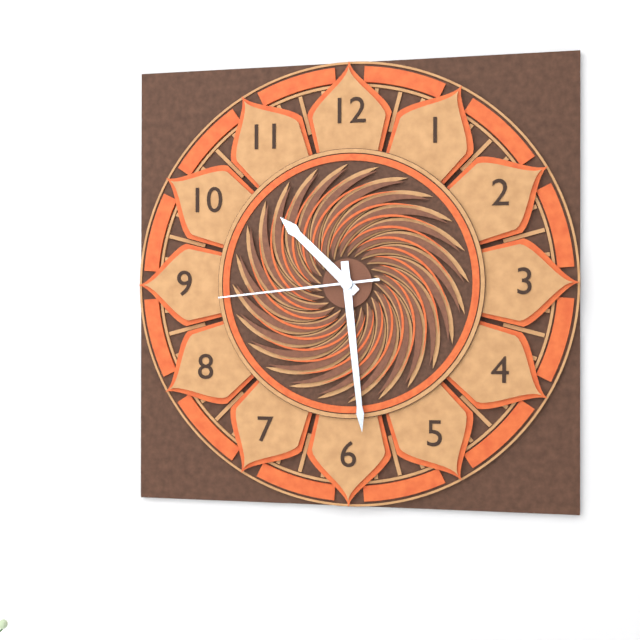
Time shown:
10.29.44
